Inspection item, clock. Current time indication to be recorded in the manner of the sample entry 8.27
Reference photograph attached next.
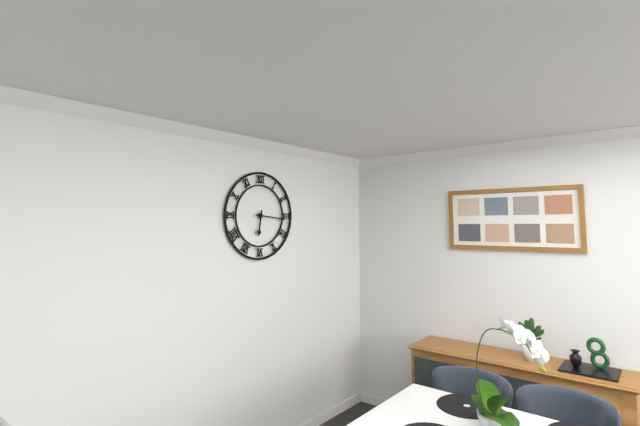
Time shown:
6.16
